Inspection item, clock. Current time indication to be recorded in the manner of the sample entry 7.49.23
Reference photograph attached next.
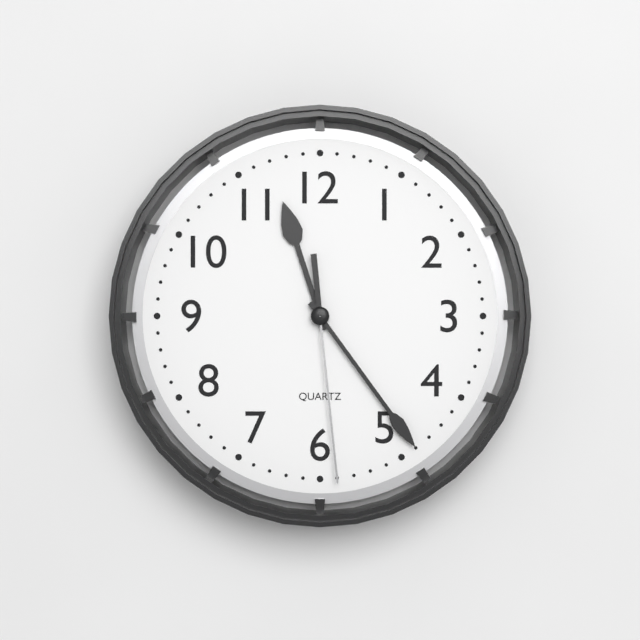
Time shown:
11.24.29
